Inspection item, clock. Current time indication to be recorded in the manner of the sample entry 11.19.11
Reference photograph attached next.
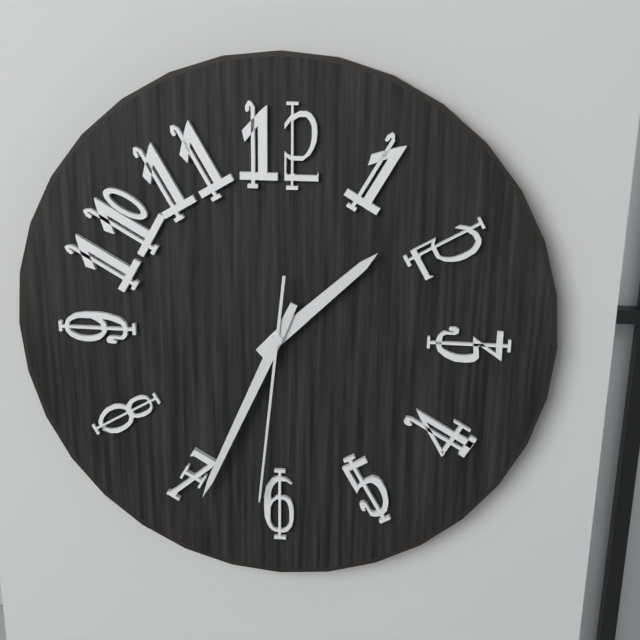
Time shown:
1.34.31
